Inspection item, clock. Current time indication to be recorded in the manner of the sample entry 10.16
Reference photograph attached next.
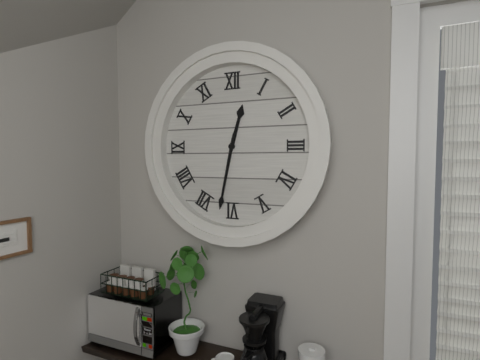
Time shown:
12.32
